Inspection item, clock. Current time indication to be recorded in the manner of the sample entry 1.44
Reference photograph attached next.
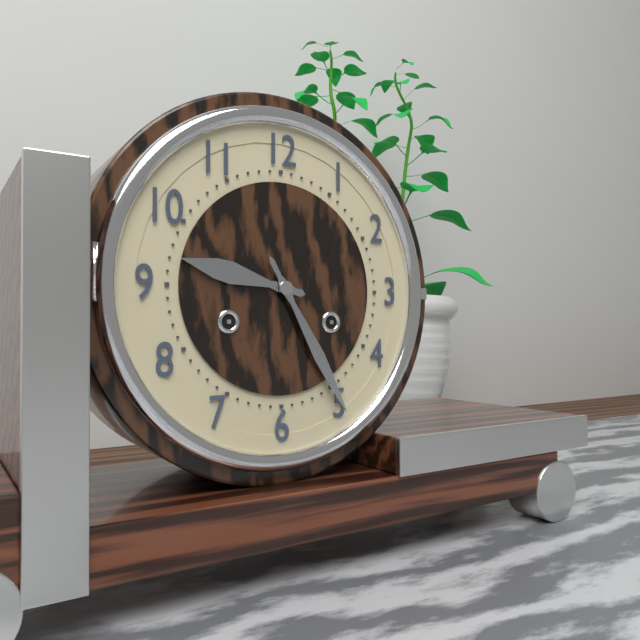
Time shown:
9.25
